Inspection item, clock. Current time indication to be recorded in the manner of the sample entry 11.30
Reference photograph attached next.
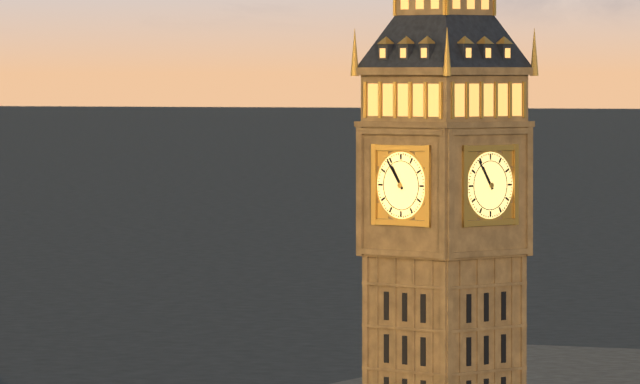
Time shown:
10.54
